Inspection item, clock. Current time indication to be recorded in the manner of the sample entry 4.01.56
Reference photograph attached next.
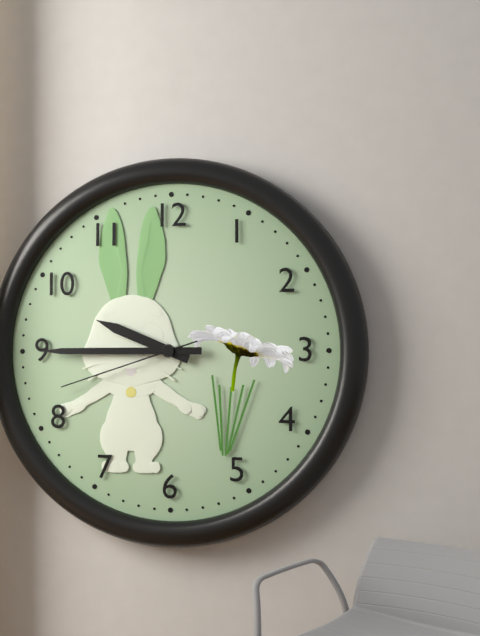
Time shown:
9.45.42
